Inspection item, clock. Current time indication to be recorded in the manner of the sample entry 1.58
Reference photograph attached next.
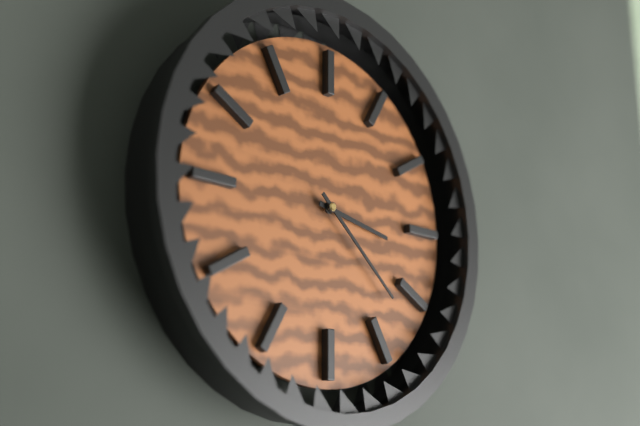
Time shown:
3.22
